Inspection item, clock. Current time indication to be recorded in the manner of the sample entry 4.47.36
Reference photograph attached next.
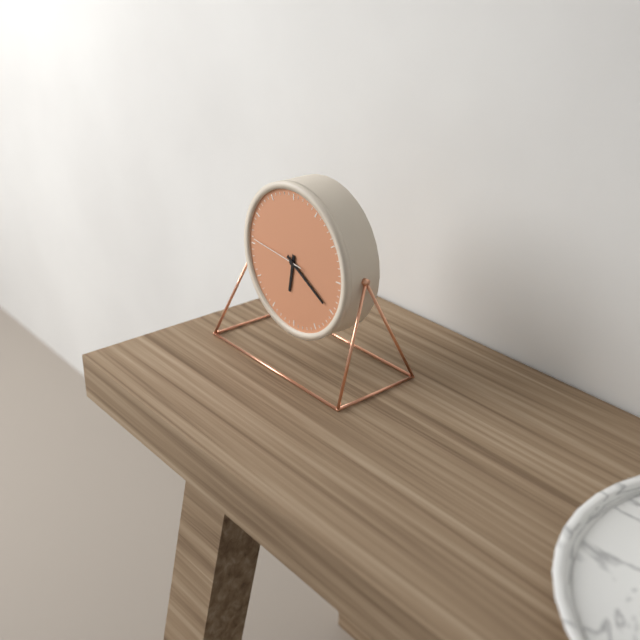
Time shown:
6.20.46
